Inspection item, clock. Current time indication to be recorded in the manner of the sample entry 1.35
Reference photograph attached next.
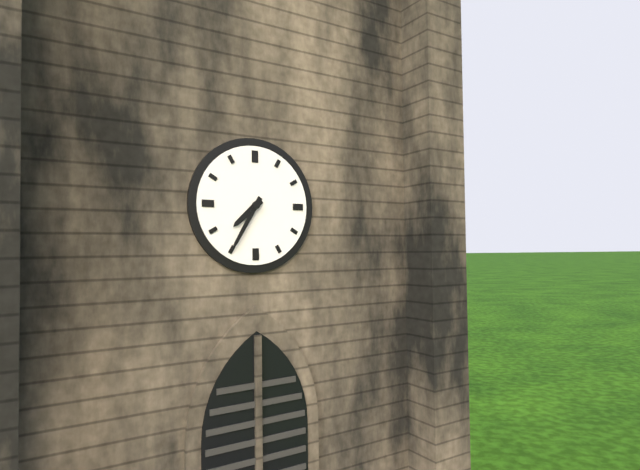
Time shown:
7.35
